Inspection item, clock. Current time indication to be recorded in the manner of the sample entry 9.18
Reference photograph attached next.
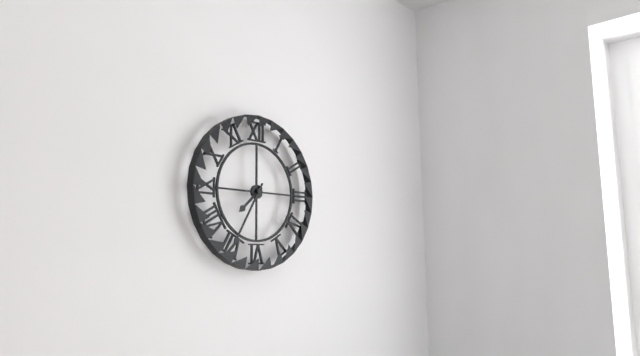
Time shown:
7.35
